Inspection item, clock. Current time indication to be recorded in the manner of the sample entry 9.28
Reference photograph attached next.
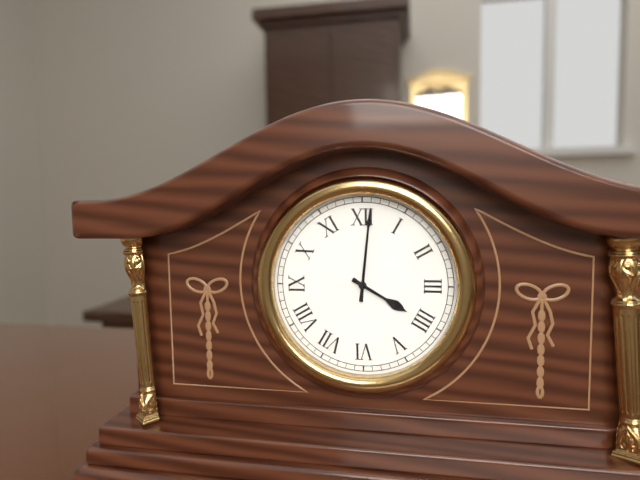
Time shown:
4.01
